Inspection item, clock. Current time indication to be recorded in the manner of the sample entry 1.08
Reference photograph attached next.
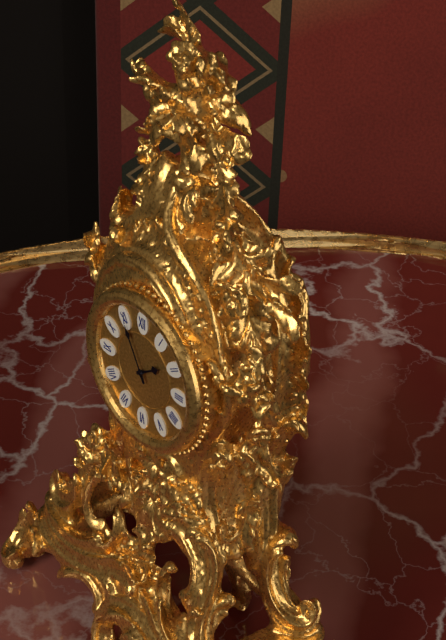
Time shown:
1.55
